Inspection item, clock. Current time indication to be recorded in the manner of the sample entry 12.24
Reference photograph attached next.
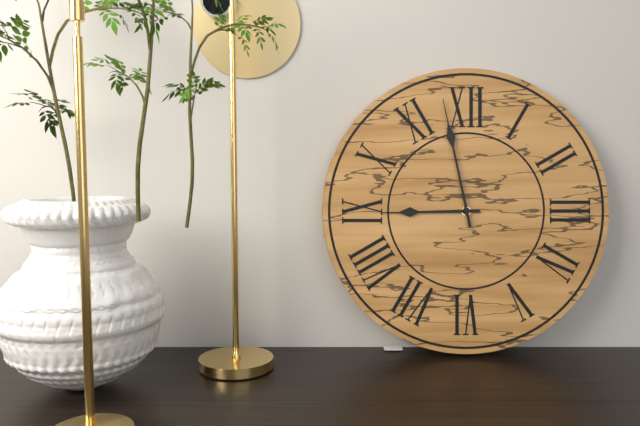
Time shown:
8.58
